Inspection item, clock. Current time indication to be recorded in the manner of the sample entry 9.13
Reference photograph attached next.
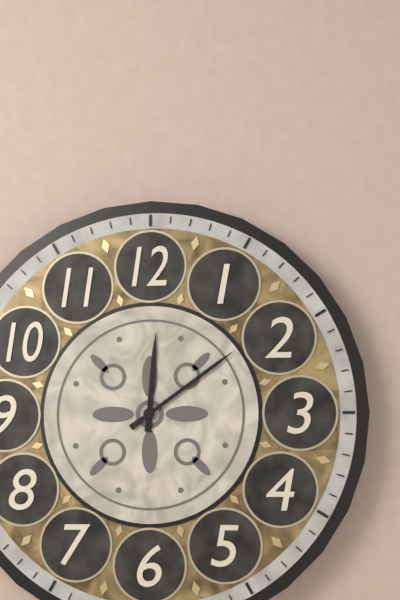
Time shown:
12.09
